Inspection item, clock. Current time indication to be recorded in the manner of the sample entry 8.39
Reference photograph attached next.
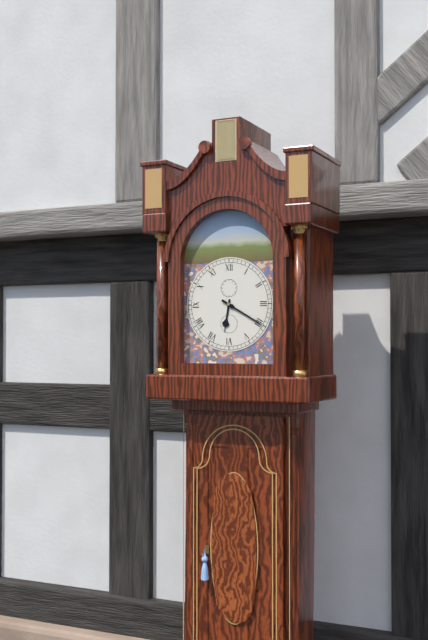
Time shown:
6.20
